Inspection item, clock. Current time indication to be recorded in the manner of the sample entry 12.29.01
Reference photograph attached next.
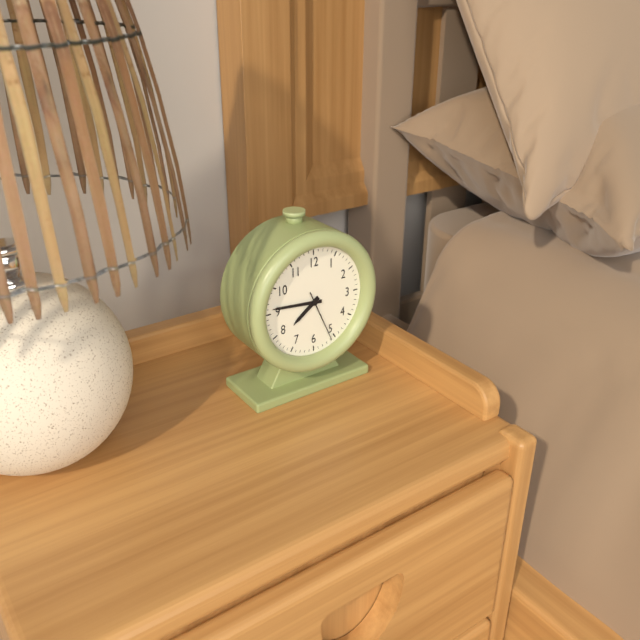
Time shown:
7.46.26
